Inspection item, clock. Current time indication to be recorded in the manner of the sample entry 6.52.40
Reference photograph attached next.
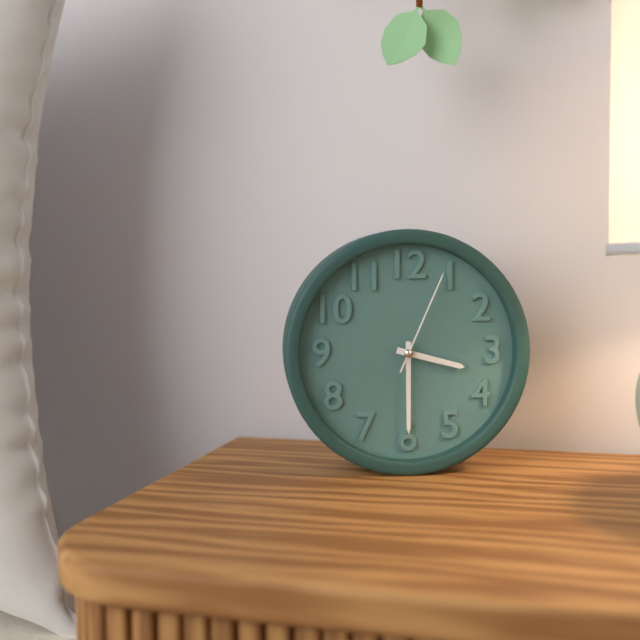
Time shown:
3.30.04
